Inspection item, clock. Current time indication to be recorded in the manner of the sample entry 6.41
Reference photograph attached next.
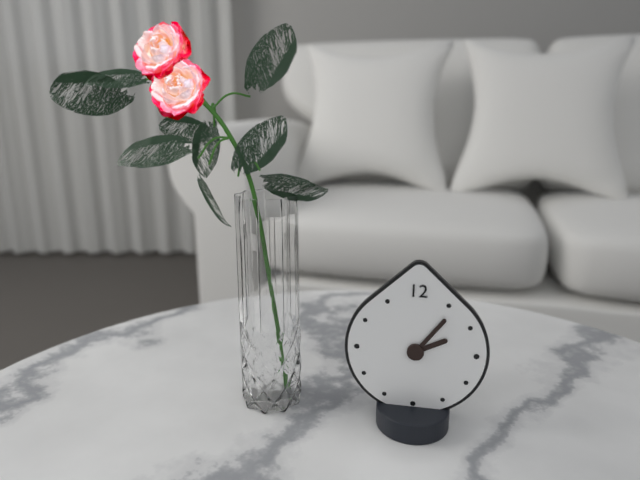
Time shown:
2.06
